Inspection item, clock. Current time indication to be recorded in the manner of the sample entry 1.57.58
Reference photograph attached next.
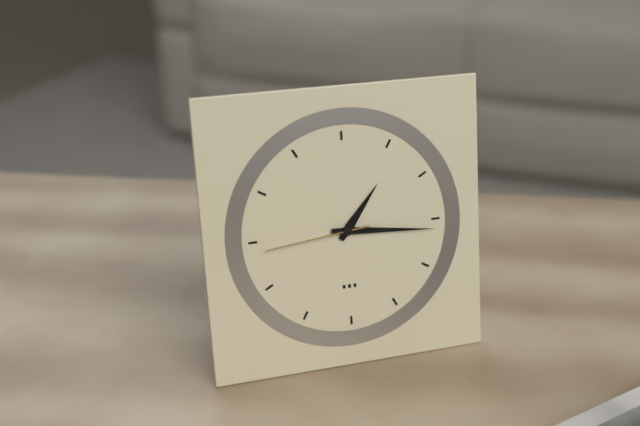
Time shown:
1.16.44
